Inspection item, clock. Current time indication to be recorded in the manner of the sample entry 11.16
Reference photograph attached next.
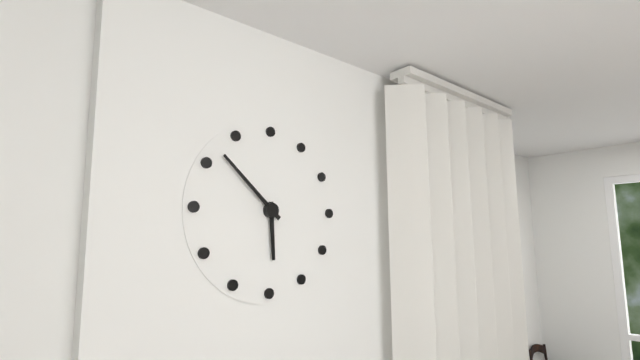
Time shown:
5.52
